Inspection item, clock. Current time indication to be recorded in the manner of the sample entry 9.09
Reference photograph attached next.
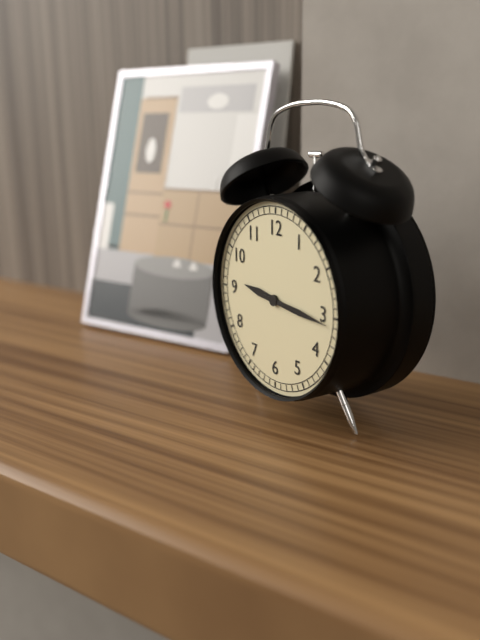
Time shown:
9.16
